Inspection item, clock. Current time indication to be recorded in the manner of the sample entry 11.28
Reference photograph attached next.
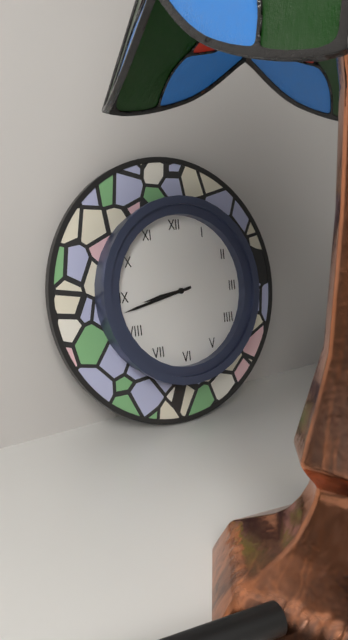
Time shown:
8.43
